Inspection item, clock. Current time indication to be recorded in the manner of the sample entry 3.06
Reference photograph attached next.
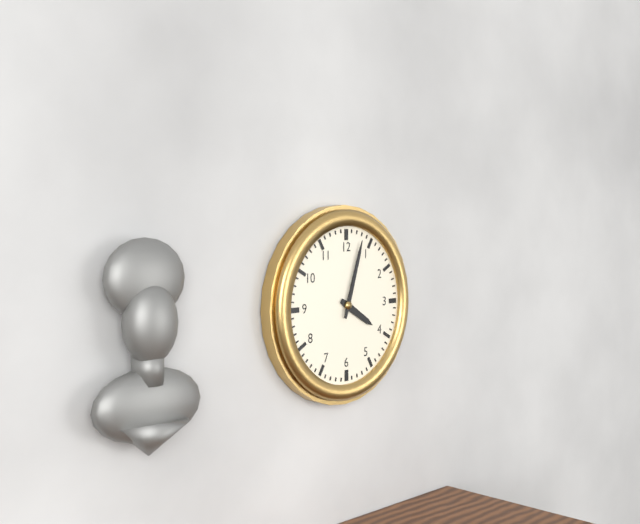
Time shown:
4.03
